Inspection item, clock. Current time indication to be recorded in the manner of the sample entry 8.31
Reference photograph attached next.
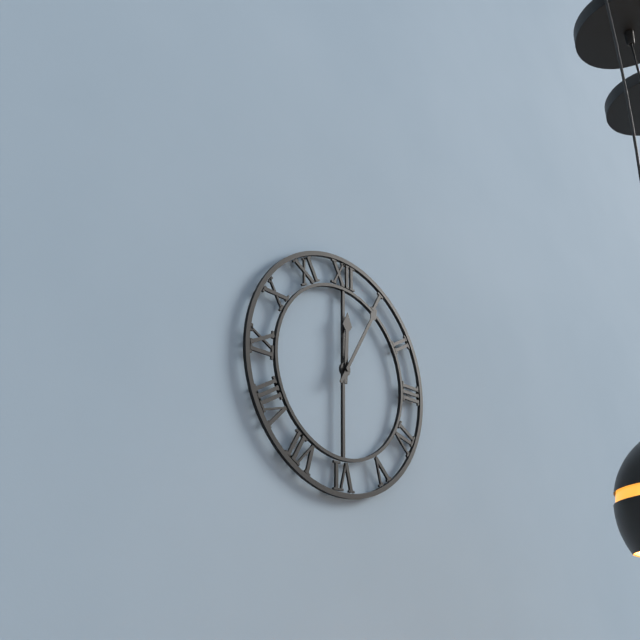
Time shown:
12.05
